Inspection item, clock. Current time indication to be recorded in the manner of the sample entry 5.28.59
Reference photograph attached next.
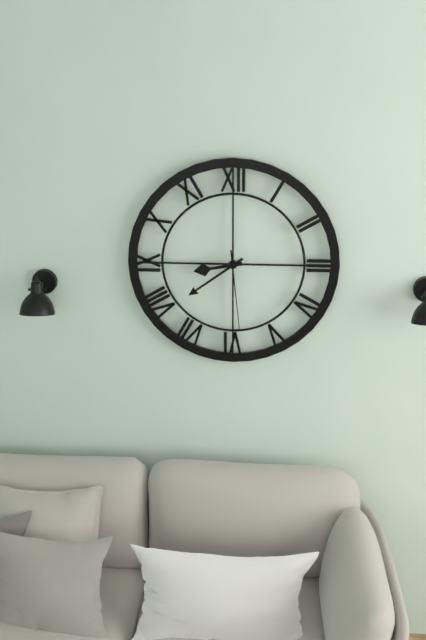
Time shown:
8.39.29
